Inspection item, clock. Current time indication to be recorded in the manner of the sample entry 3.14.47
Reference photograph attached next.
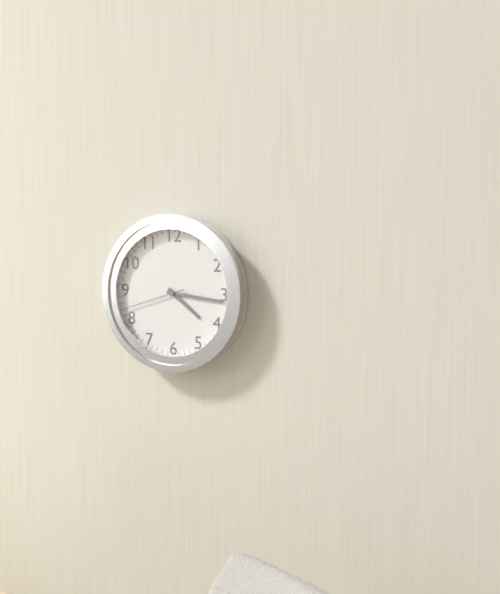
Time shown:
4.16.42
